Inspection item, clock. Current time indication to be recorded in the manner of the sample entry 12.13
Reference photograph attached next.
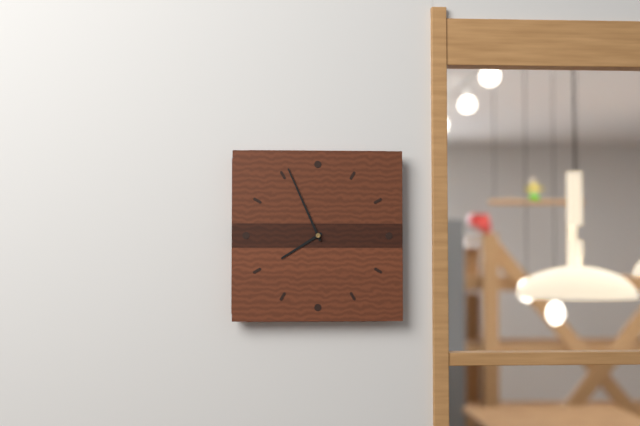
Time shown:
7.56
